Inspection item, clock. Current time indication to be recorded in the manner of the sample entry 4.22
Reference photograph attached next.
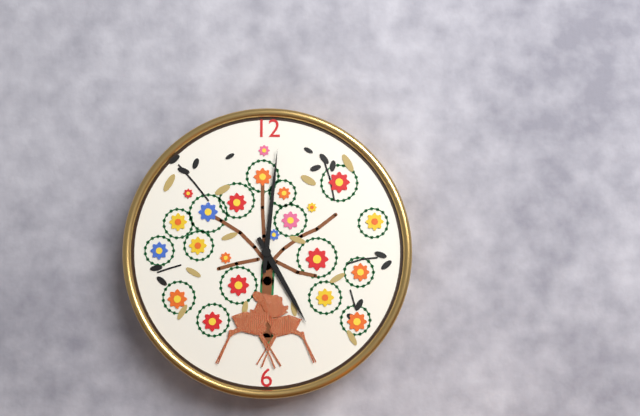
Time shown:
5.01
